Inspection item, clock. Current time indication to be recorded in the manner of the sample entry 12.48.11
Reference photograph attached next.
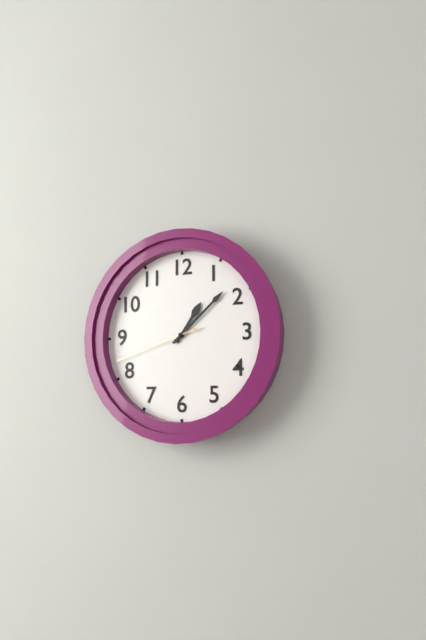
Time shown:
1.08.42
